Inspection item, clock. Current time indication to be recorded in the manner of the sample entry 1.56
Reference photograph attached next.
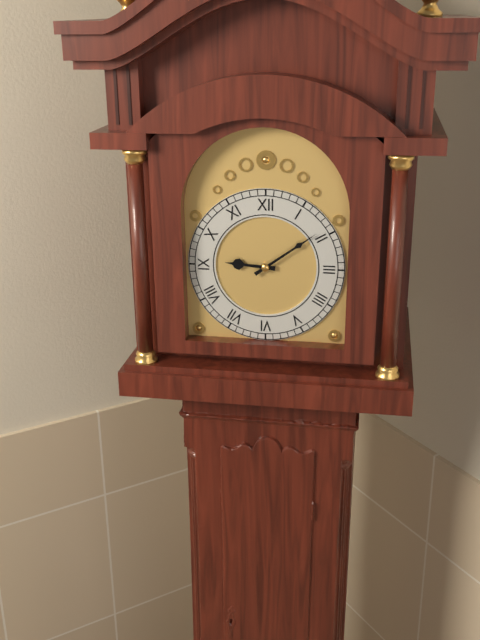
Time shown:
9.09
